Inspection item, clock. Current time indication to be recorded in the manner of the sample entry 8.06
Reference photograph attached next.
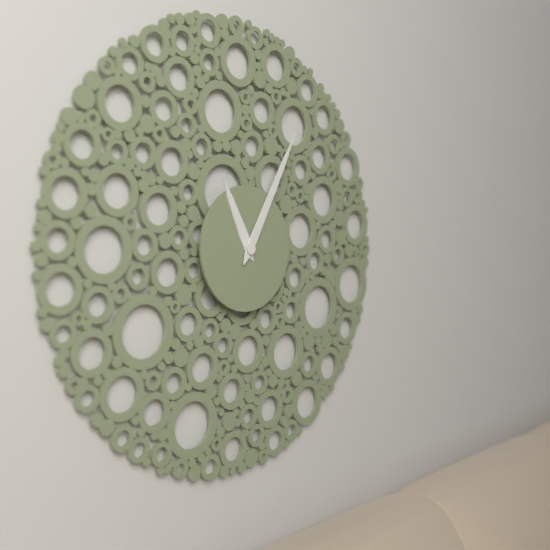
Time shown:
11.05
